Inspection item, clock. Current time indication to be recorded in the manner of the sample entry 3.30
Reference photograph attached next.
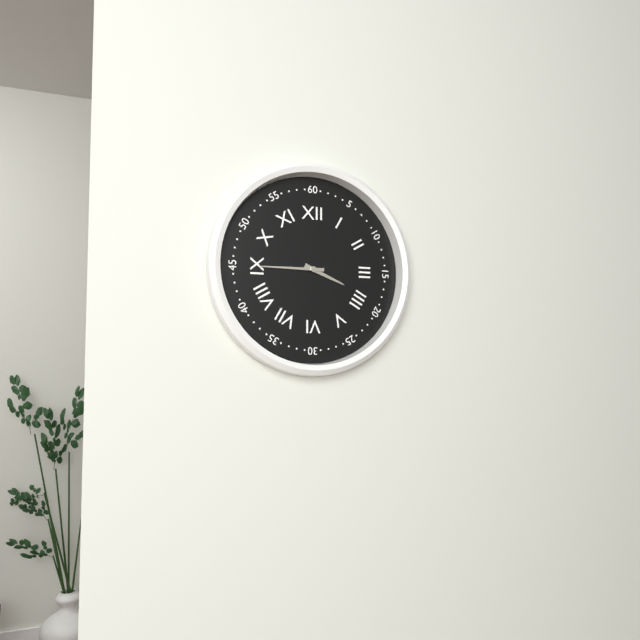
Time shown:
3.45
